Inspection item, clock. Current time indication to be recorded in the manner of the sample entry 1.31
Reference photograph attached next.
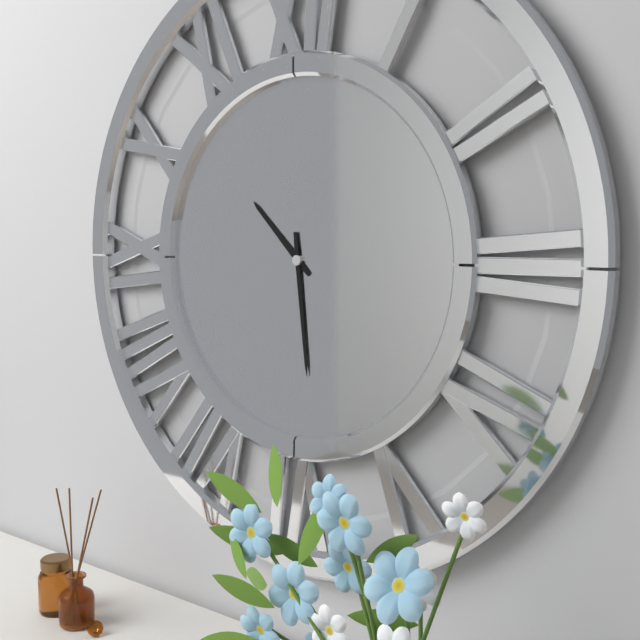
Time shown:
10.29
